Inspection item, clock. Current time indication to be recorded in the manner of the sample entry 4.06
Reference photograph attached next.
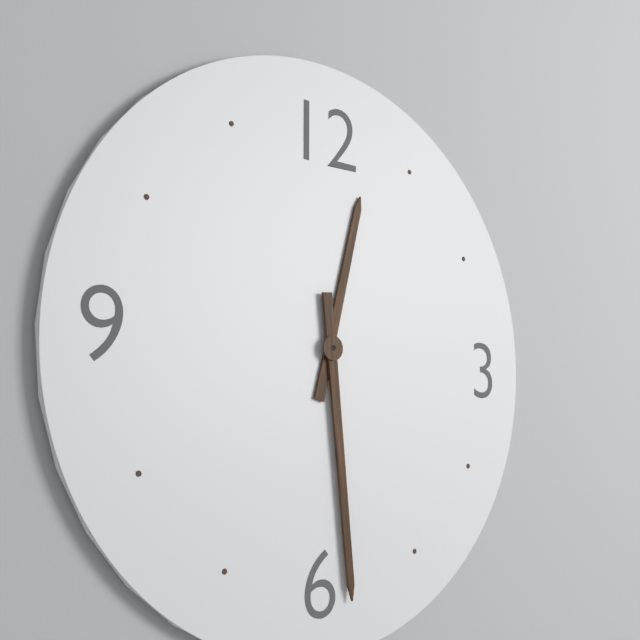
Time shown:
12.29
